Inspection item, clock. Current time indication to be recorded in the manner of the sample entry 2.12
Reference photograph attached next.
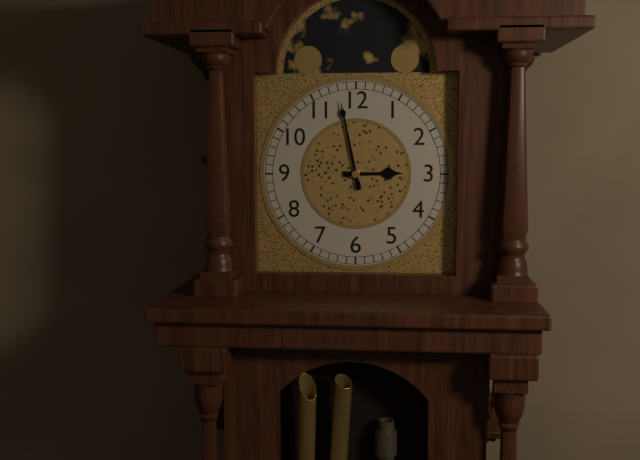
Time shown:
2.58
